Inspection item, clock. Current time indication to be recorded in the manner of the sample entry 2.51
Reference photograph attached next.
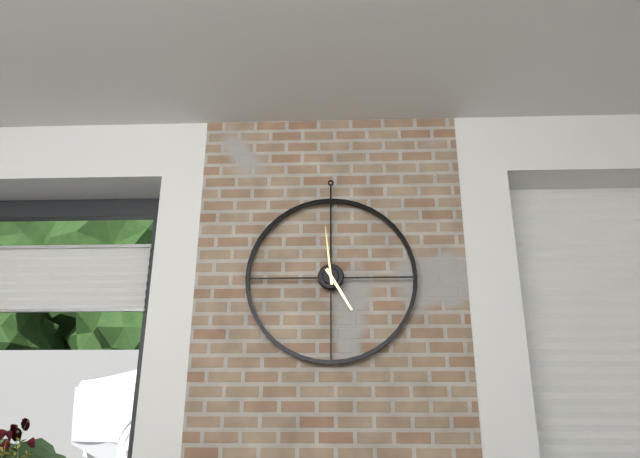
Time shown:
4.59
